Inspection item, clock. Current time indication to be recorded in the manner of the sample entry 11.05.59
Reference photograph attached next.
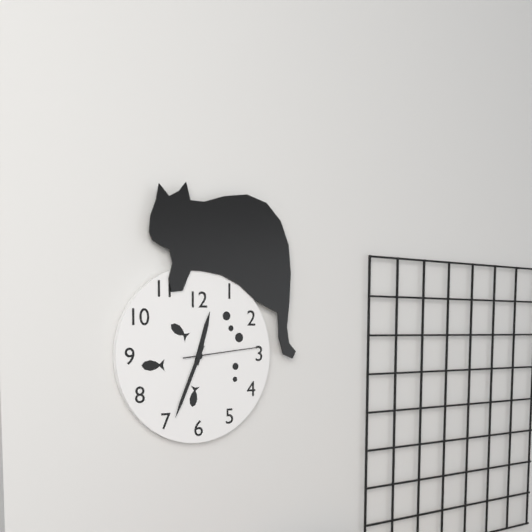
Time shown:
12.34.14
